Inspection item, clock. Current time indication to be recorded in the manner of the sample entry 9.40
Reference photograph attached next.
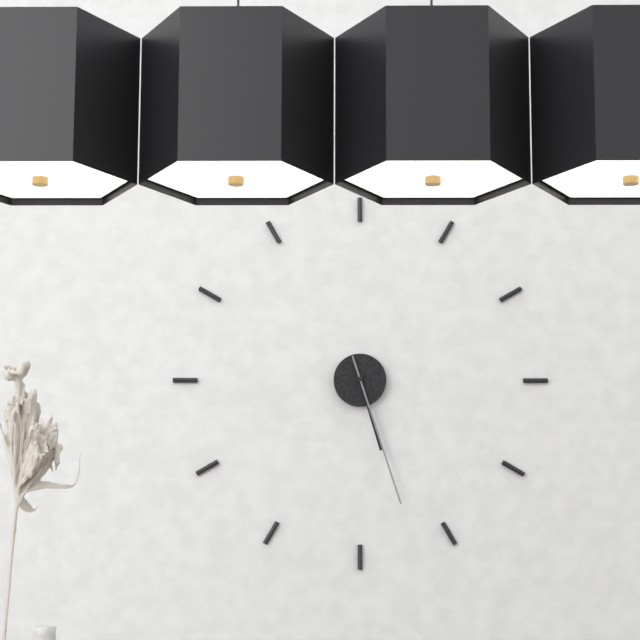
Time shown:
5.27
